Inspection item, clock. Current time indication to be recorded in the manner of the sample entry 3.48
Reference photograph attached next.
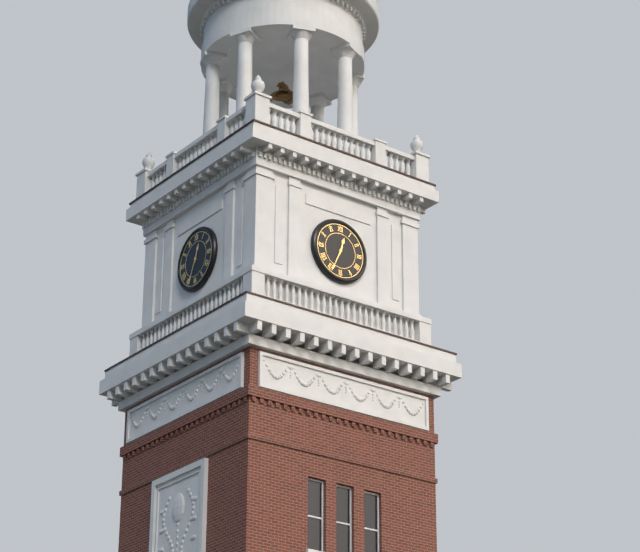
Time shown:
12.34
